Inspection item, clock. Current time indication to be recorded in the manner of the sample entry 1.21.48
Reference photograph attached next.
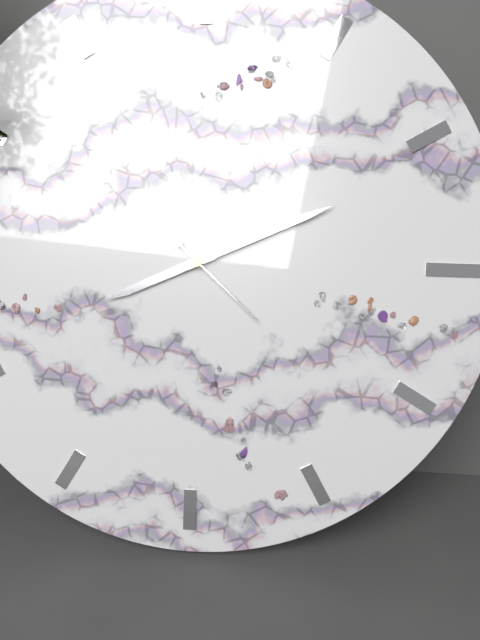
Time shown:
8.11.22
